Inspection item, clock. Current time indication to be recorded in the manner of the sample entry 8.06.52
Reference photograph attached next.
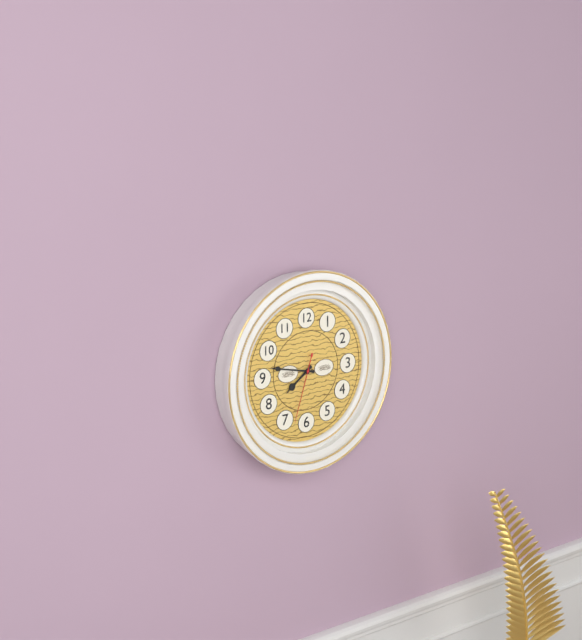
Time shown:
7.47.33
